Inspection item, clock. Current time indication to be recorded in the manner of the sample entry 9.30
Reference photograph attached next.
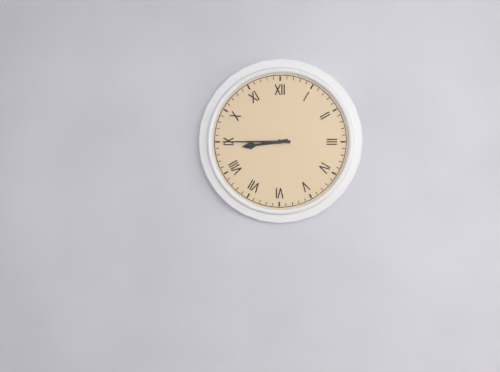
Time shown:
8.45
